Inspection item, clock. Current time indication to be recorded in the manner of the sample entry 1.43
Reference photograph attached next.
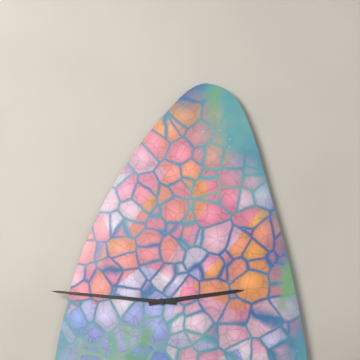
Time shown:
2.46
